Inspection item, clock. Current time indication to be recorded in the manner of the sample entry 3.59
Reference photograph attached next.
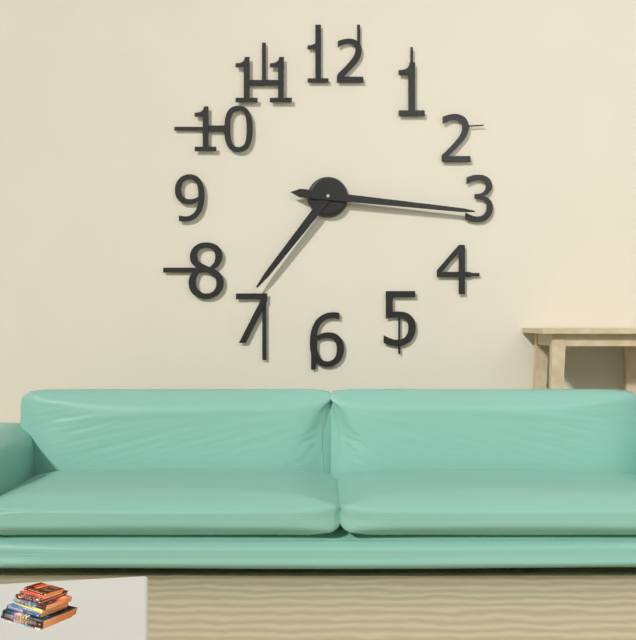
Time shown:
7.16
